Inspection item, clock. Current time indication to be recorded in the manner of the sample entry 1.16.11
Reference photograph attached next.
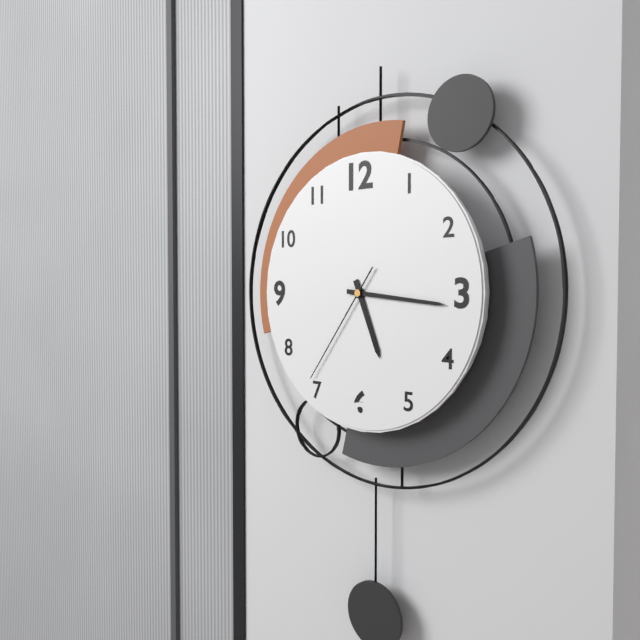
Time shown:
5.16.36
